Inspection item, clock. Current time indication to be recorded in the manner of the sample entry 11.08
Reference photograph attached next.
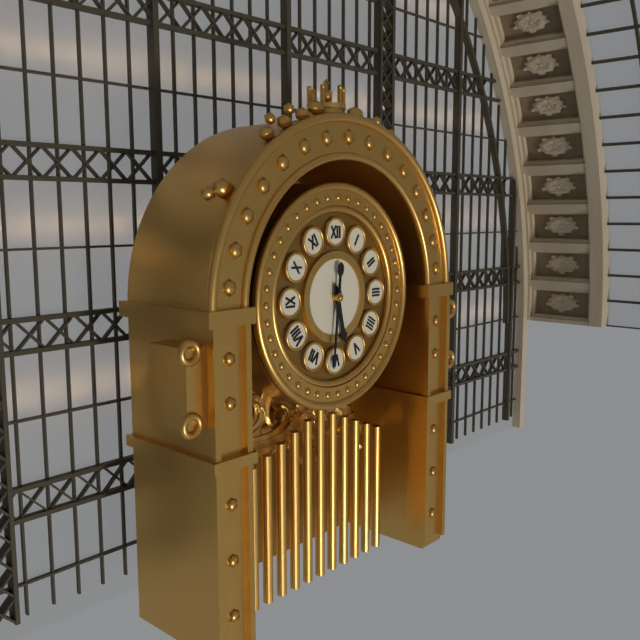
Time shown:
5.31
